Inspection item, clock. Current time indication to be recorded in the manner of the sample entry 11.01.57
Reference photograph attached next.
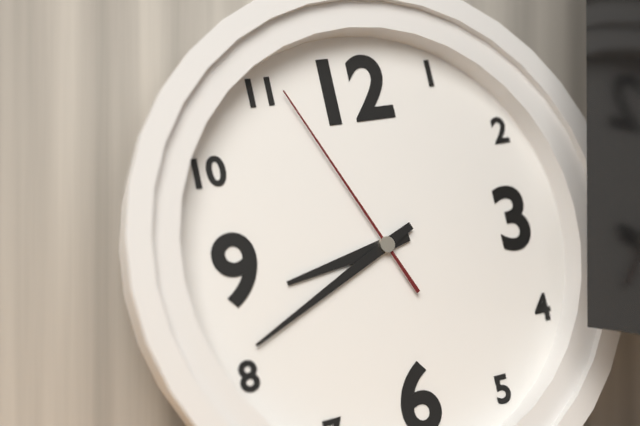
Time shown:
8.41.56
